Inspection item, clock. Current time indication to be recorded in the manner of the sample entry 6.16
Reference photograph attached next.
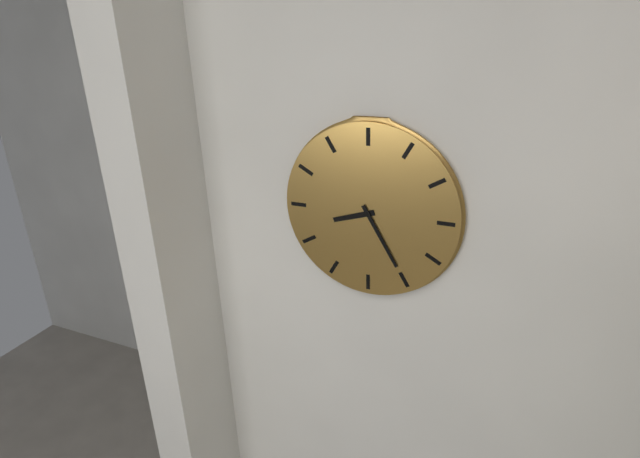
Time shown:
8.25
